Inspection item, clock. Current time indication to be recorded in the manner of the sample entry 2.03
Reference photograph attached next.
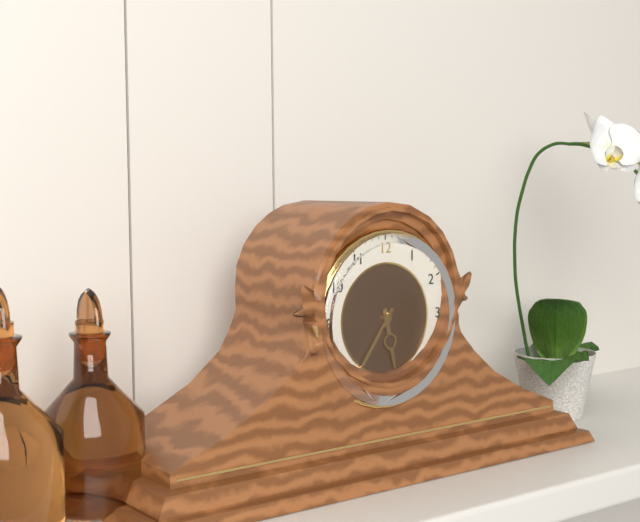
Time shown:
5.36
